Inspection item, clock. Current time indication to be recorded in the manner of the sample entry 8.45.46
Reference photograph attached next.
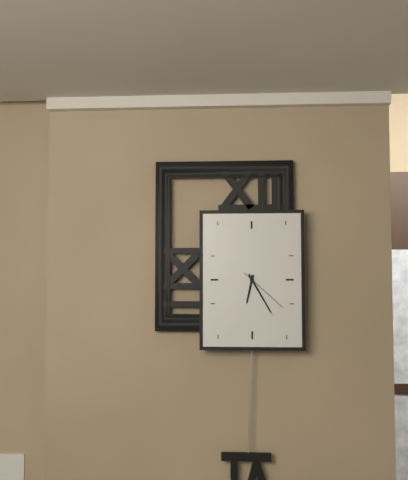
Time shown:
6.25.22
